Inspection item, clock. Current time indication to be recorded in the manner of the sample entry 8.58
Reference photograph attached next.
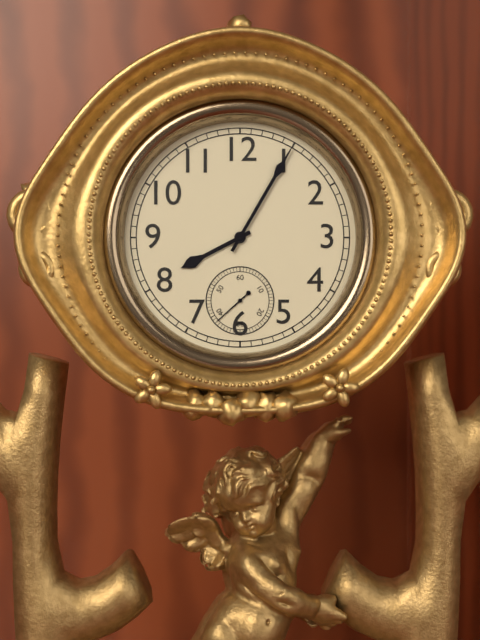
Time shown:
8.05
